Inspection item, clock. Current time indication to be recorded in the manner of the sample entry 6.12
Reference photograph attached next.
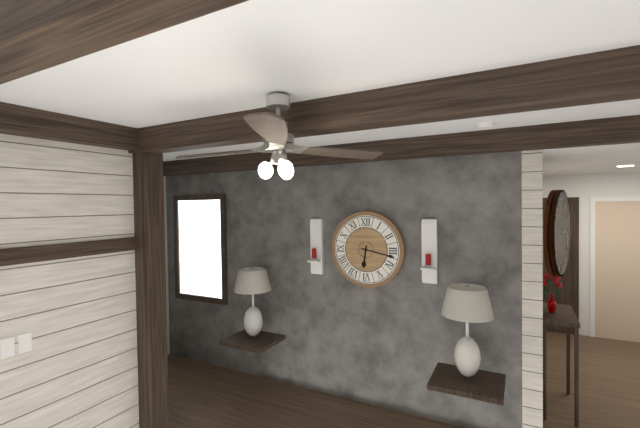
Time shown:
6.17
